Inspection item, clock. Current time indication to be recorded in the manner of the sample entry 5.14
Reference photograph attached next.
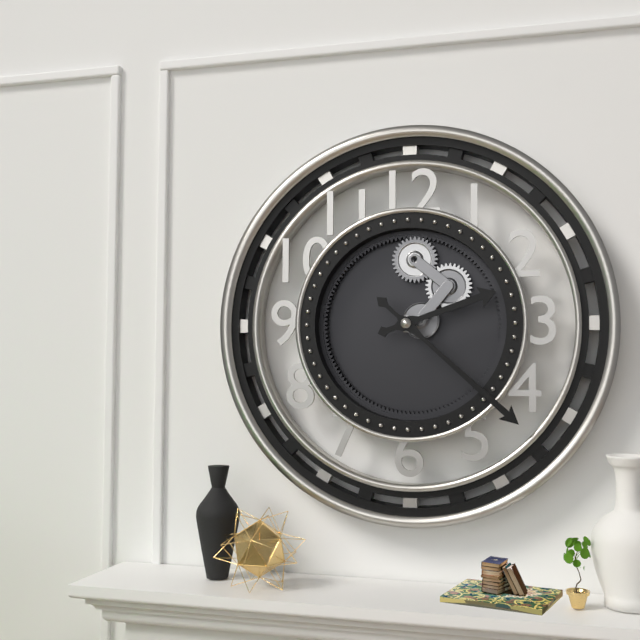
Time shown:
2.22
